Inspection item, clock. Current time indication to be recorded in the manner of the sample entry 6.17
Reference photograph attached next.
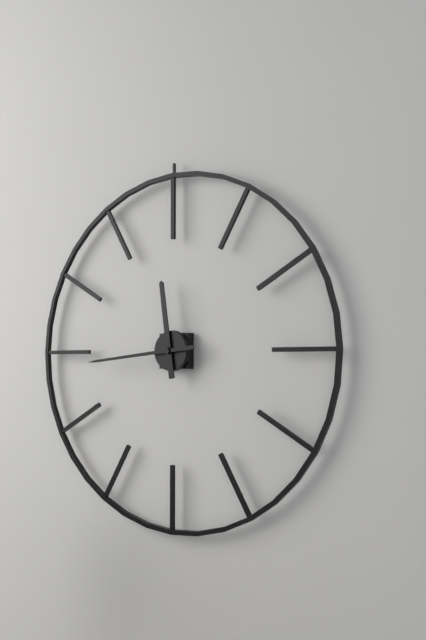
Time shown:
11.44
